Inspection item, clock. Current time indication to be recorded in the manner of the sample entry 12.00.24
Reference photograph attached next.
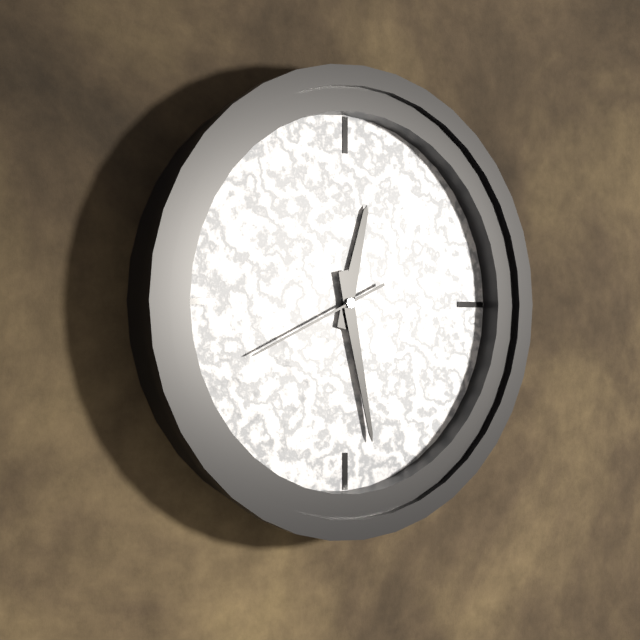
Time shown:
12.28.41
